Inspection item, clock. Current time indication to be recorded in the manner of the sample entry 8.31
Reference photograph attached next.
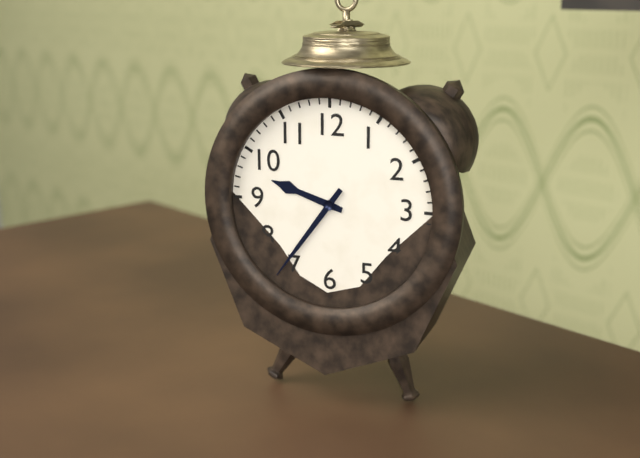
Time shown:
9.36
